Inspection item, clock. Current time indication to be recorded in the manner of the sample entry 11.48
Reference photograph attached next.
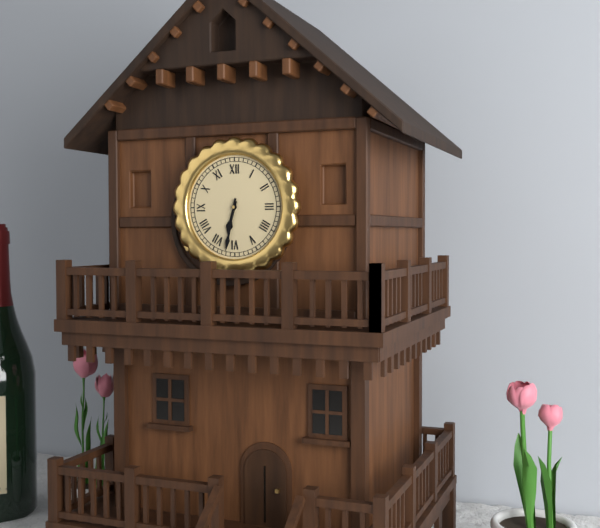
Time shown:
6.32
